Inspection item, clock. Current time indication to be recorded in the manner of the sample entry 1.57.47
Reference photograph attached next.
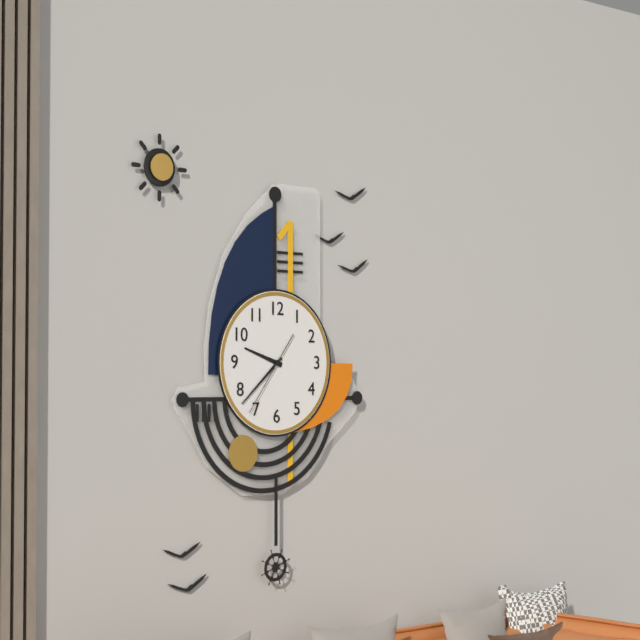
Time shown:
9.38.36
